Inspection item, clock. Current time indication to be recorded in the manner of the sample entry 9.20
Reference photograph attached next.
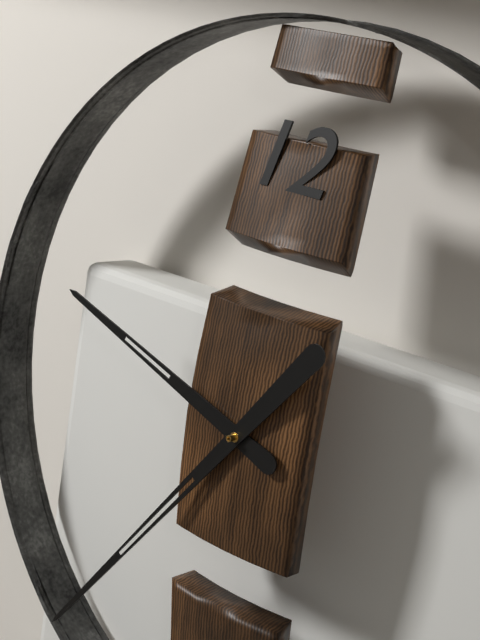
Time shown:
9.36
